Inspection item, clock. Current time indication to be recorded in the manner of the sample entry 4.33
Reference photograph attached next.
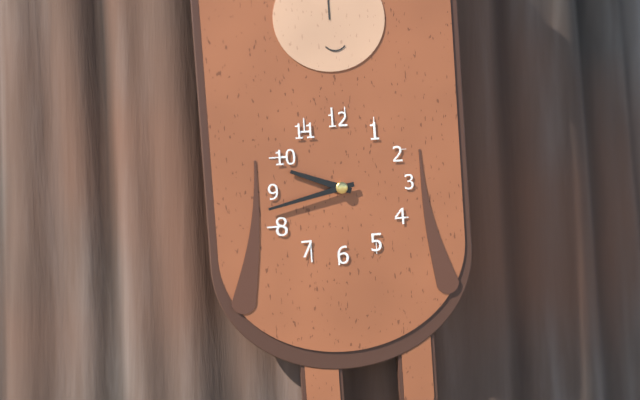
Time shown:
9.43
